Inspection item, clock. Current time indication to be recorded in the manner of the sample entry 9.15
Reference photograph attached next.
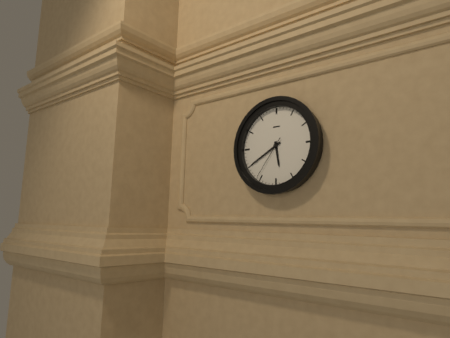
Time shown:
5.40
